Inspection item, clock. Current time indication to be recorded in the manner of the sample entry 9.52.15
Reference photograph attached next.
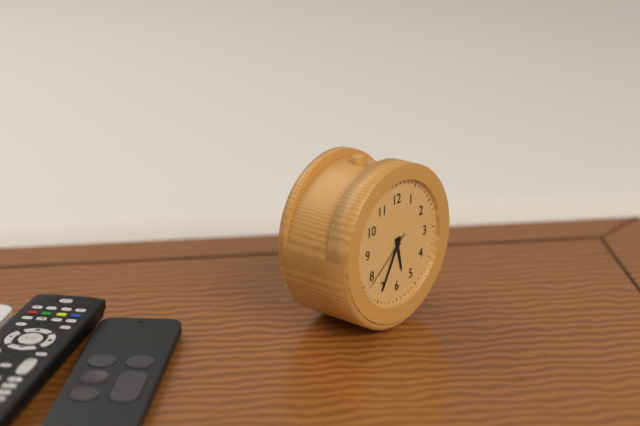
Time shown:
5.35.39
